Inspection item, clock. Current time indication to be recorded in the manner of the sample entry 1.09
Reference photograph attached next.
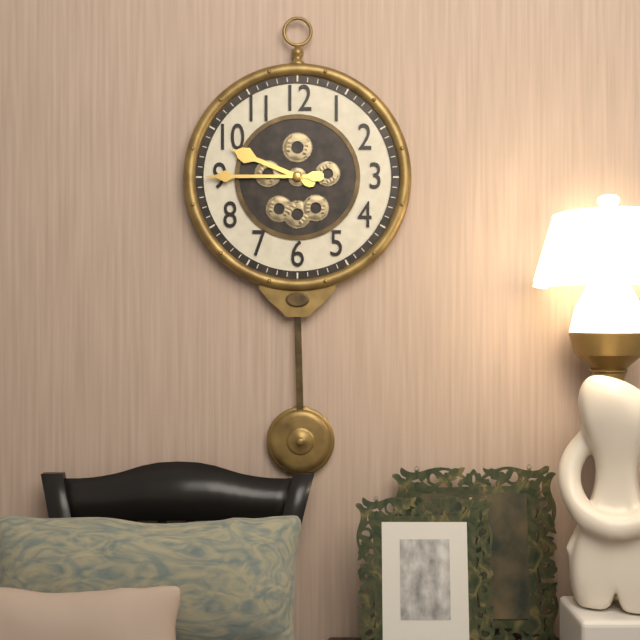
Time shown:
9.45
